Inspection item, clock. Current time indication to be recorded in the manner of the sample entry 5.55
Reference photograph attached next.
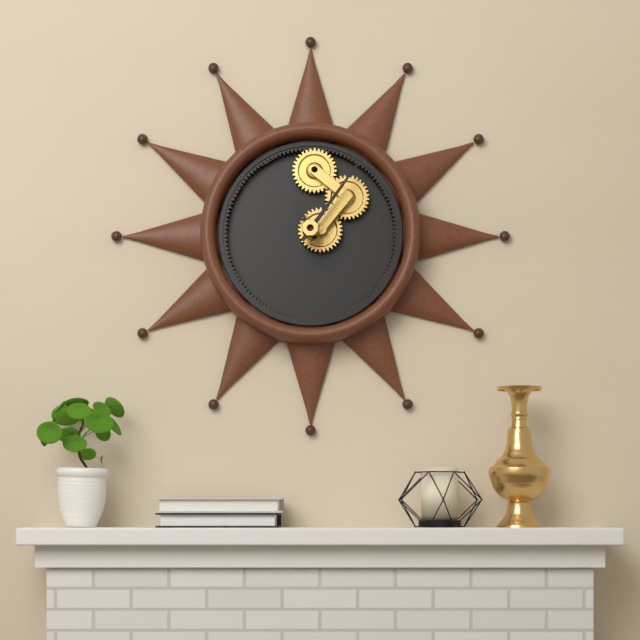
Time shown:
11.06
